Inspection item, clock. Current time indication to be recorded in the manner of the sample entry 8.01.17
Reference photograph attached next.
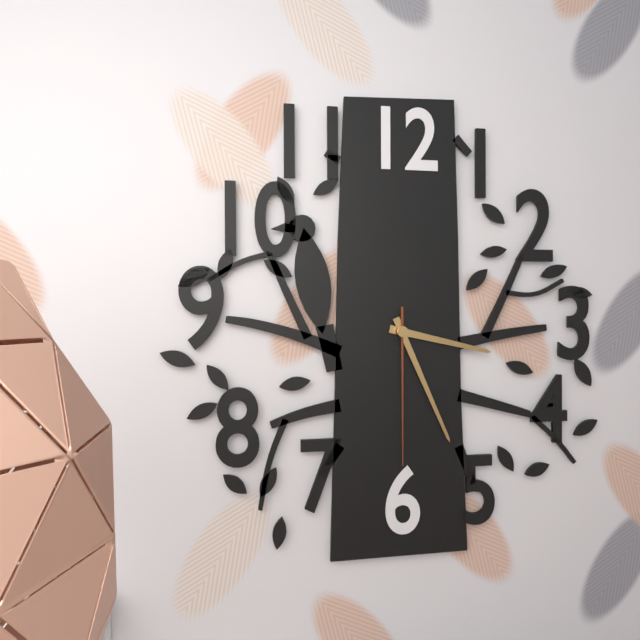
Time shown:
3.26.30
